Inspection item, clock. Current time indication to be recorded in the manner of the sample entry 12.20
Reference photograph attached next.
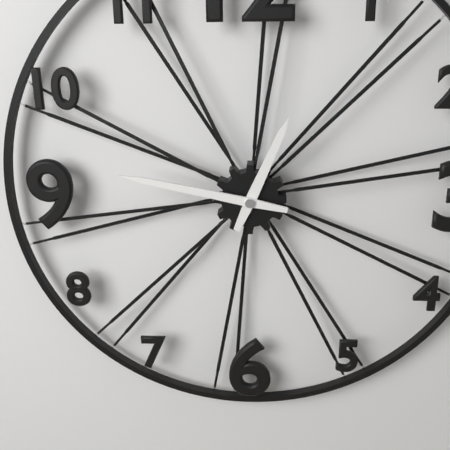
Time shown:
12.47
